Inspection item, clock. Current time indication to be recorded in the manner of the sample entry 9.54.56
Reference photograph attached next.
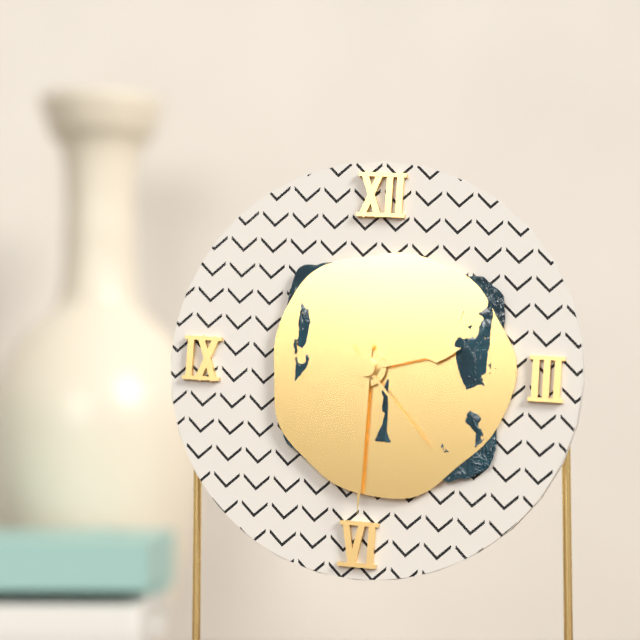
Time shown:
2.30.23
